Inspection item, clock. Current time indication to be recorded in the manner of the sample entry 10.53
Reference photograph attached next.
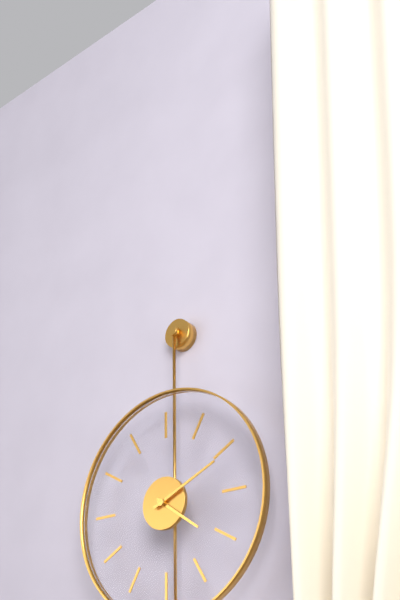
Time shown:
4.11
